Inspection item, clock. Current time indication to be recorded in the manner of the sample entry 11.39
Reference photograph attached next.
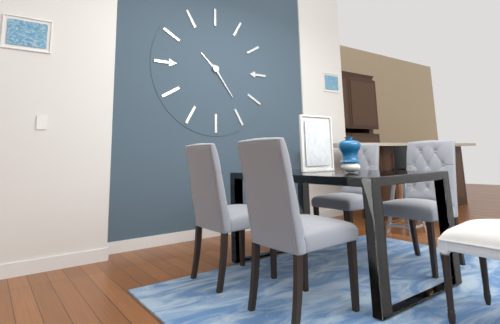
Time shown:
10.24
